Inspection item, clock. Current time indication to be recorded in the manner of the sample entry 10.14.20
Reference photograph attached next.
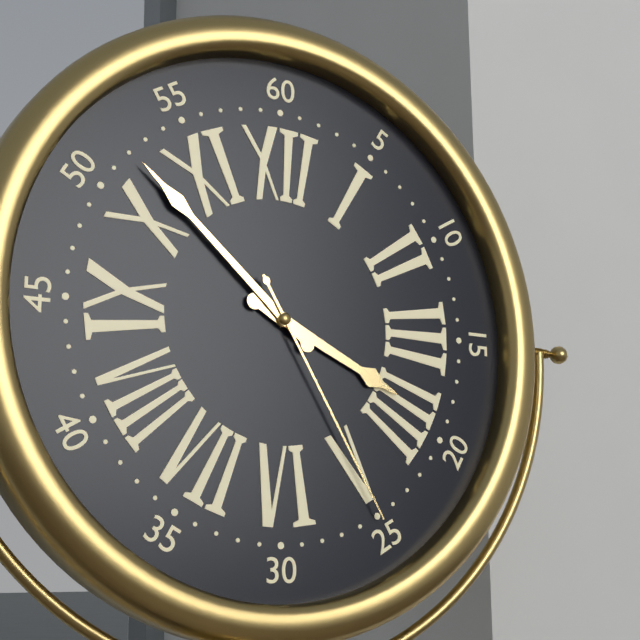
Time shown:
3.52.25
